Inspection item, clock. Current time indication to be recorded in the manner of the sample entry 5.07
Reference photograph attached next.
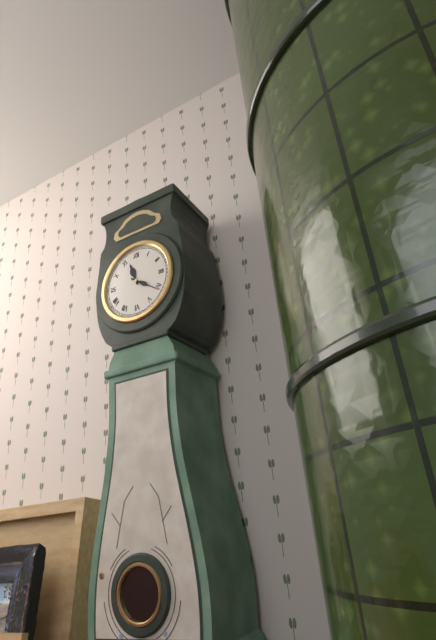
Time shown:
11.21
